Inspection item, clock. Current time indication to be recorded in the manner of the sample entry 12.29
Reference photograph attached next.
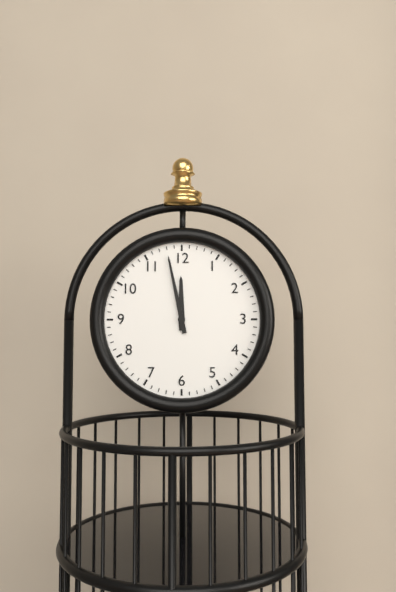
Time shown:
11.58
